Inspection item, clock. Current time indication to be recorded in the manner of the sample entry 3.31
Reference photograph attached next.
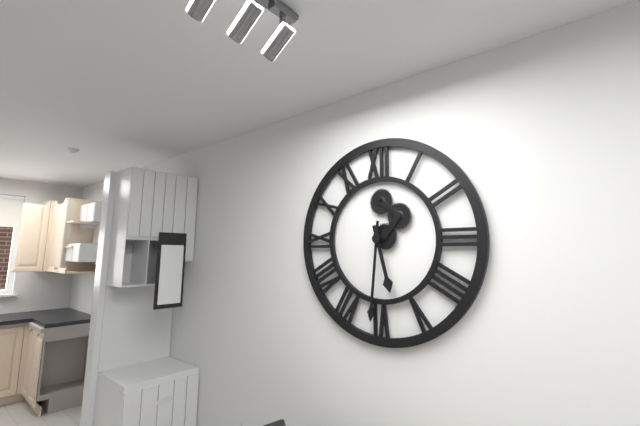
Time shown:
5.31
